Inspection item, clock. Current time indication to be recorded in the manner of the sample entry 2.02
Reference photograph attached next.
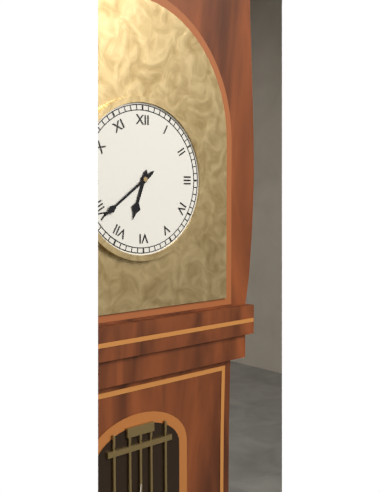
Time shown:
6.39
